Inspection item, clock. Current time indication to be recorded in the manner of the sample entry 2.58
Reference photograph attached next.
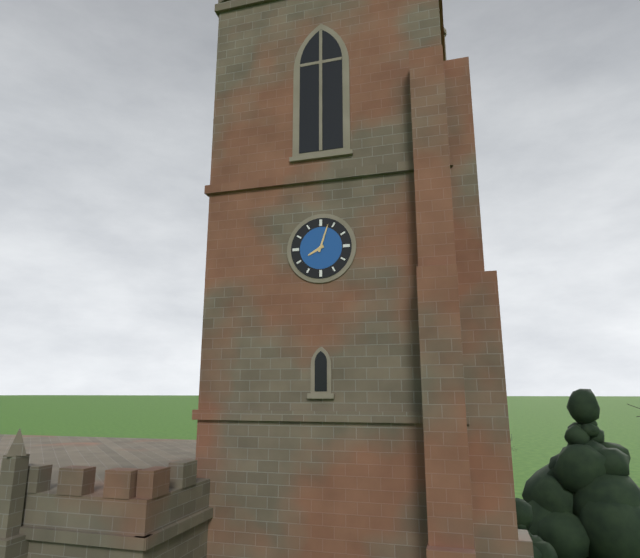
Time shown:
8.03
